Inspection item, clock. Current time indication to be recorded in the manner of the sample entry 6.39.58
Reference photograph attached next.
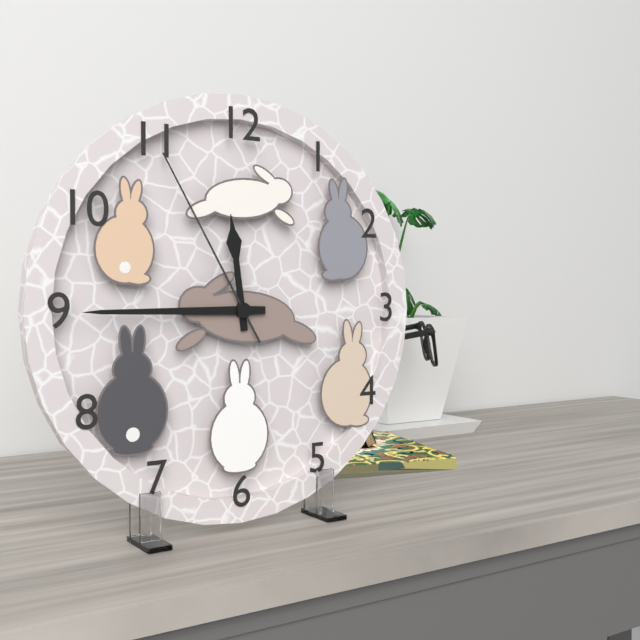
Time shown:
11.45.55
